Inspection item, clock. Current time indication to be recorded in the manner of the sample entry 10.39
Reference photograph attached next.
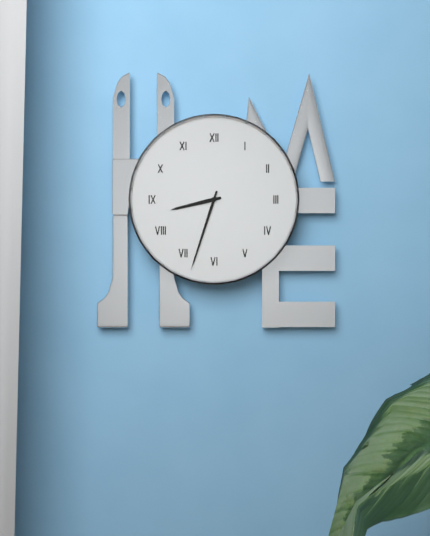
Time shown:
8.33
